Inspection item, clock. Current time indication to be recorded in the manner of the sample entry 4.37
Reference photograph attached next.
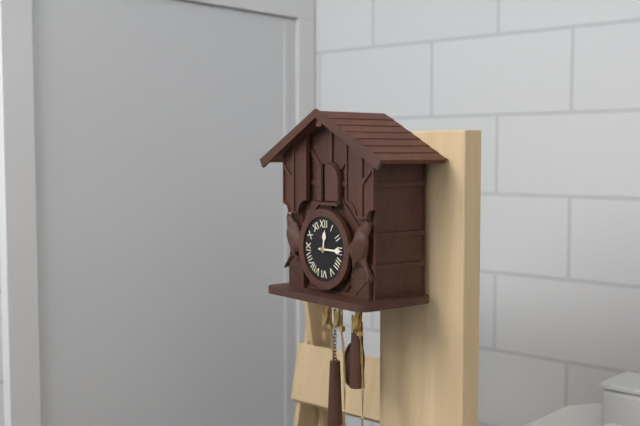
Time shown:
12.15
